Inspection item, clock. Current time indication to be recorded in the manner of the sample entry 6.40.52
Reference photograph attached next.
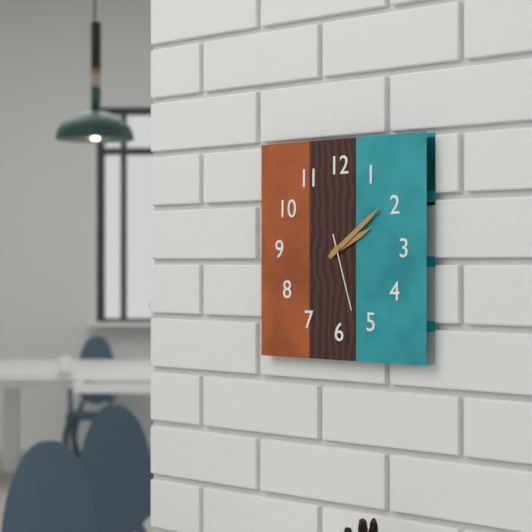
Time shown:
2.09.27
